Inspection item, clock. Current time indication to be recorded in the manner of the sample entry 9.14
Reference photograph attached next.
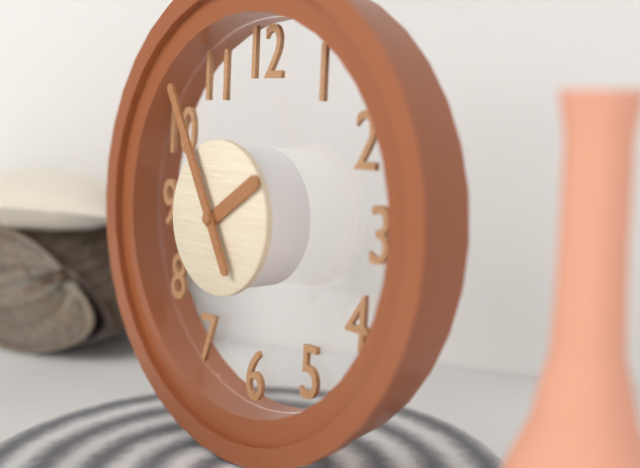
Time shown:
1.55
